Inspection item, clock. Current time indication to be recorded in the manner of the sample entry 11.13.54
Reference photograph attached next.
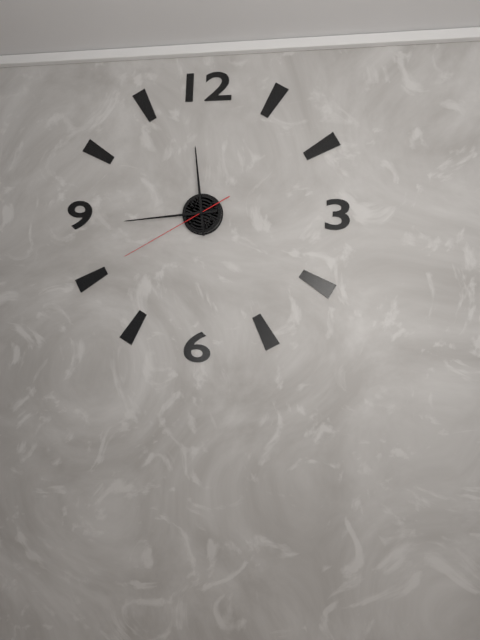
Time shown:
11.44.40
